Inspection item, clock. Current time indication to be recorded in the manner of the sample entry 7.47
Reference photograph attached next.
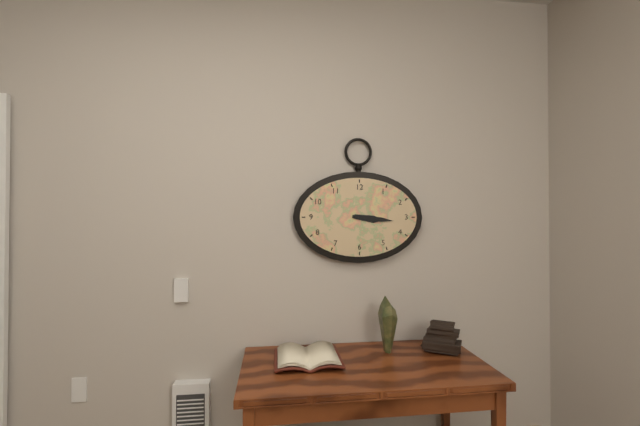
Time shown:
3.16
